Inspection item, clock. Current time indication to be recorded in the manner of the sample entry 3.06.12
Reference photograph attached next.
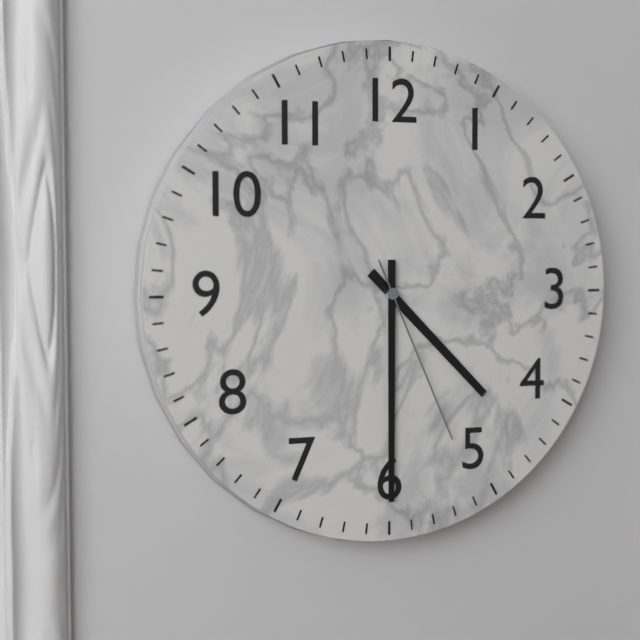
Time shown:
4.30.26
